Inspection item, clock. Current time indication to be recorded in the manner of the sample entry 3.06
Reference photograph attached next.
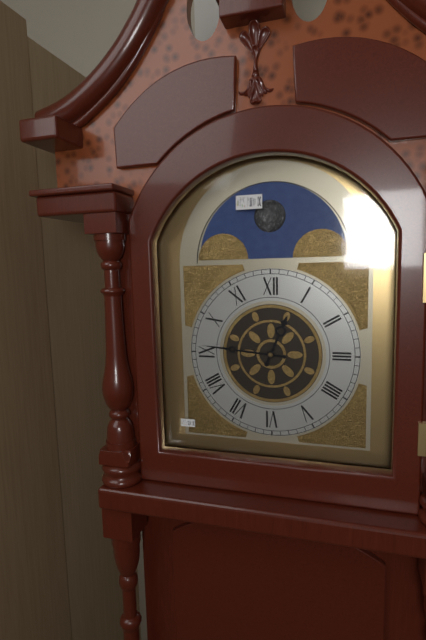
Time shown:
12.46
